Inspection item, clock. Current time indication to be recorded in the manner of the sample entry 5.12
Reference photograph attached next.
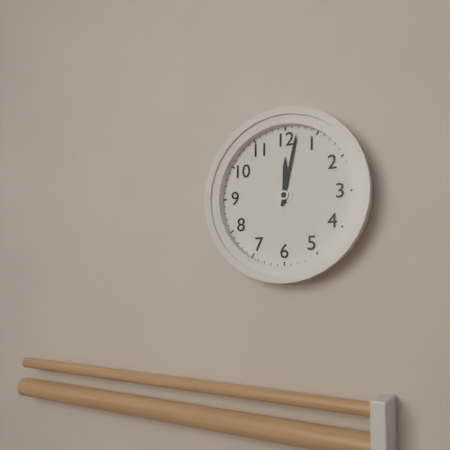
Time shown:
12.02
